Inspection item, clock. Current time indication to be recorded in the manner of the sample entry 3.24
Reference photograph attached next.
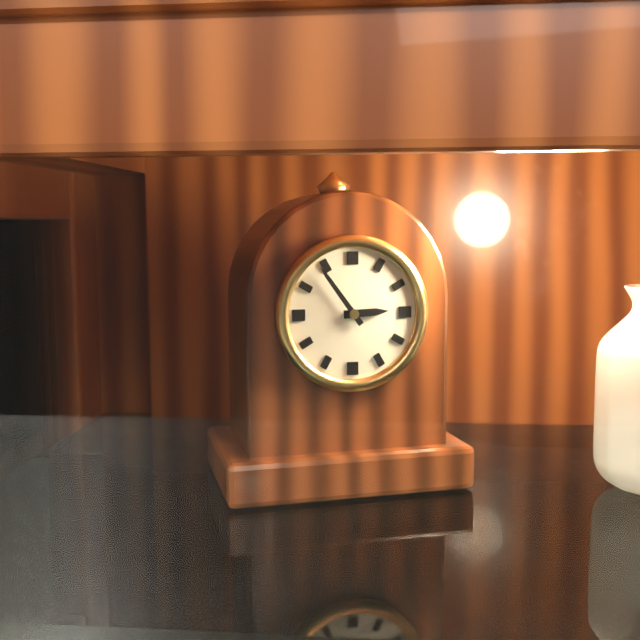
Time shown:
2.54
